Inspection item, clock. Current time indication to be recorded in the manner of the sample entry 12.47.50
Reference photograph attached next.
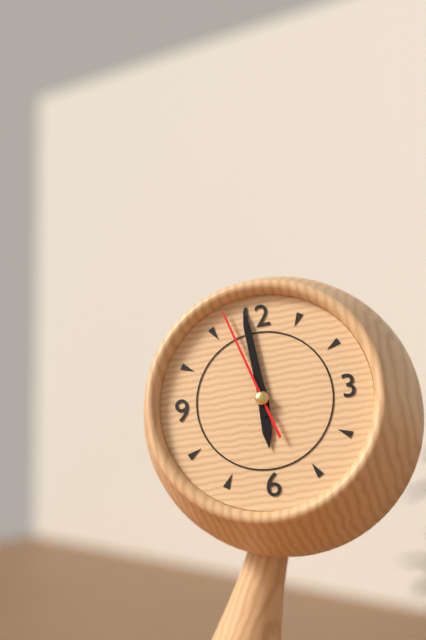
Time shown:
5.59.57
